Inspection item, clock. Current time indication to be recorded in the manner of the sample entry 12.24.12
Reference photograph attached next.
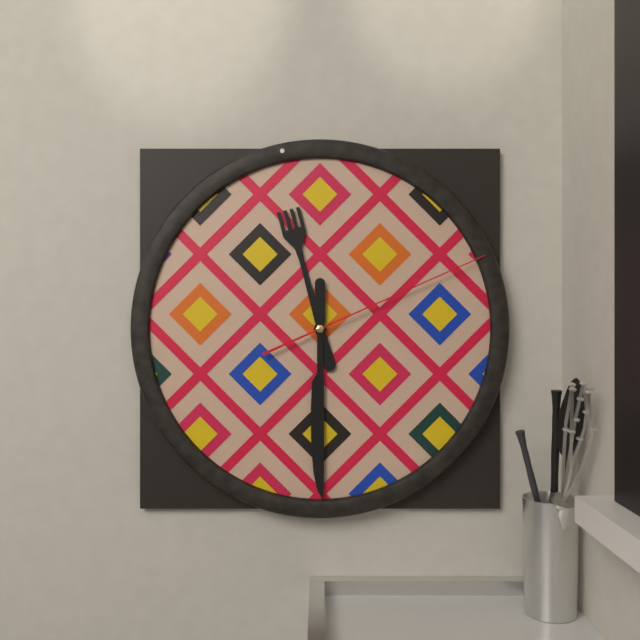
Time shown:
11.30.11
